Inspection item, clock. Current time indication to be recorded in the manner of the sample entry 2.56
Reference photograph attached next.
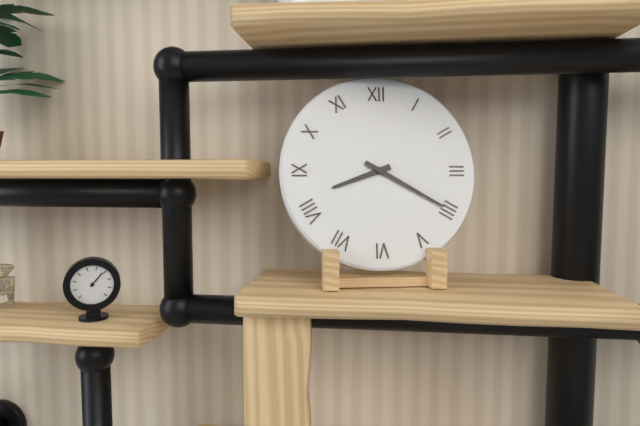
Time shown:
8.20
